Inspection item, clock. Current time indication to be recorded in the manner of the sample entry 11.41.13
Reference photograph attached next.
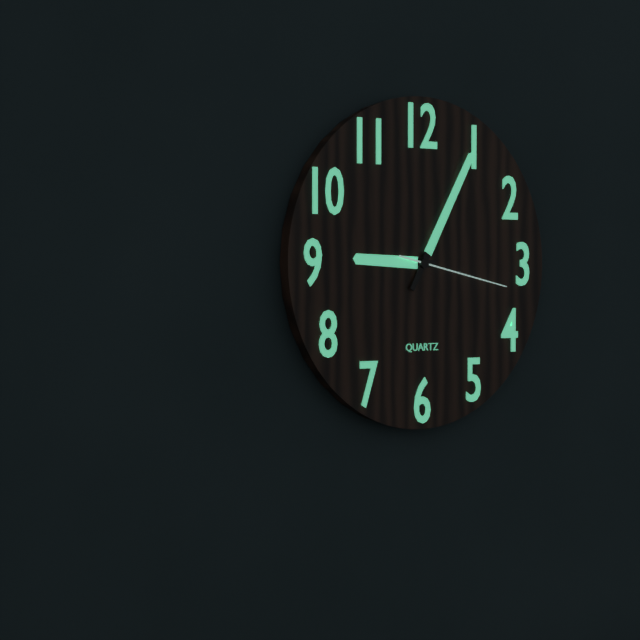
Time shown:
9.05.17
